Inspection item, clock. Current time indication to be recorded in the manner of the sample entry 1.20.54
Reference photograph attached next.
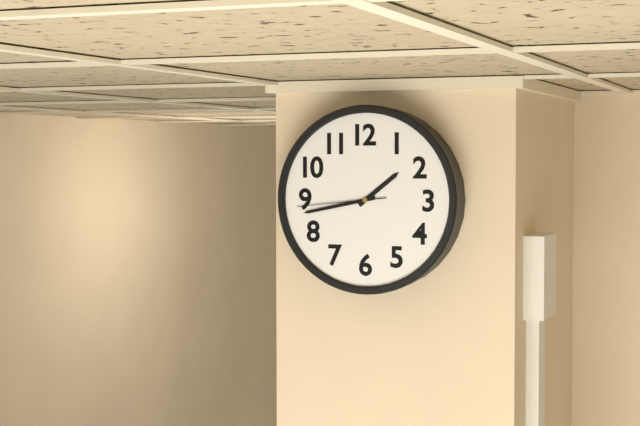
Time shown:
1.43.44
